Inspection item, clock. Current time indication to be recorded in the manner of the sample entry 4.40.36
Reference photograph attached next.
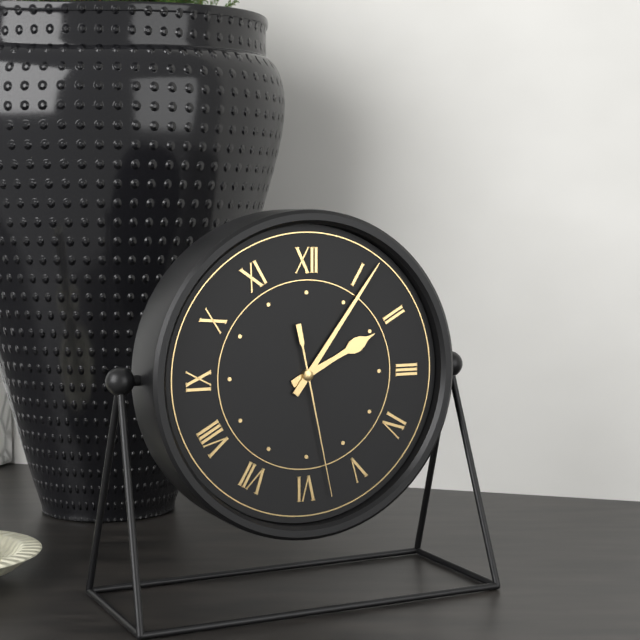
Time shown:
2.06.28
